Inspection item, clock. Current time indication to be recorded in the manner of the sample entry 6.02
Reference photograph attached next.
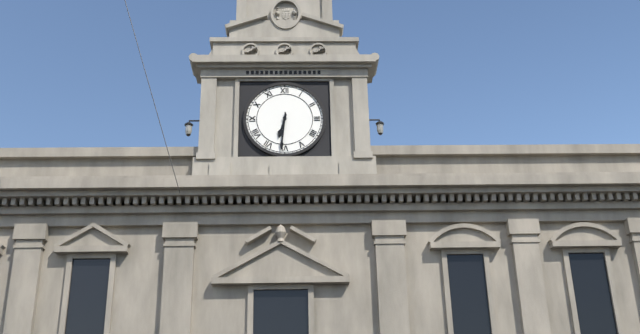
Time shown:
6.31
